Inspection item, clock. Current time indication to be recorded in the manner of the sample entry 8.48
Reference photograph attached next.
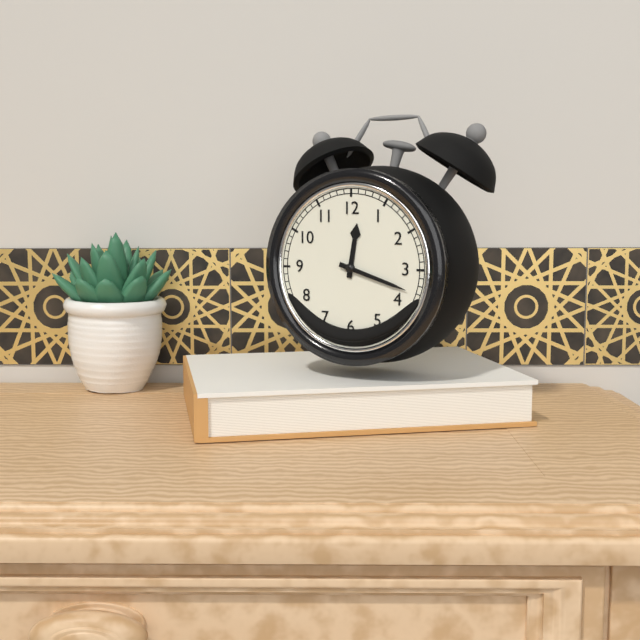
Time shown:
12.18
